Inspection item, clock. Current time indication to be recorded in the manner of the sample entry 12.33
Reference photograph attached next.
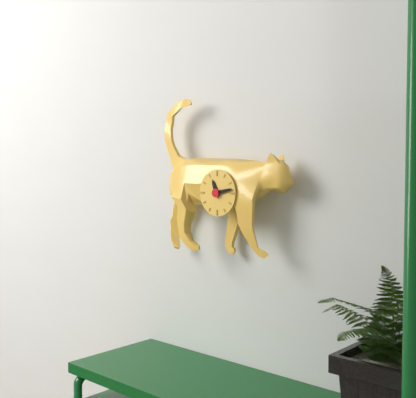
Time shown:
11.13
